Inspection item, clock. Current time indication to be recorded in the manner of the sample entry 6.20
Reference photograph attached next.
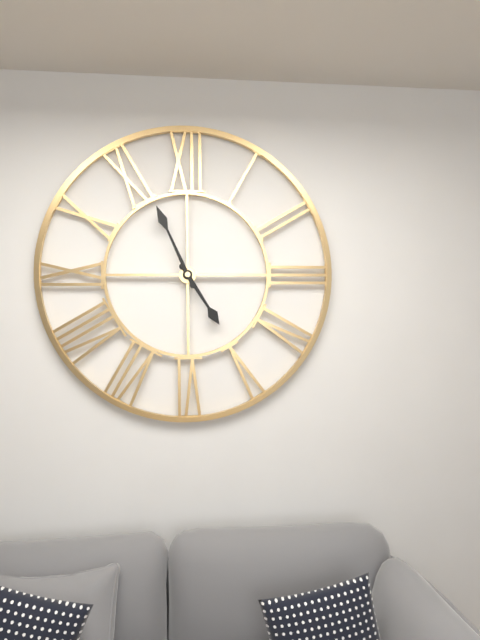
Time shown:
4.56
